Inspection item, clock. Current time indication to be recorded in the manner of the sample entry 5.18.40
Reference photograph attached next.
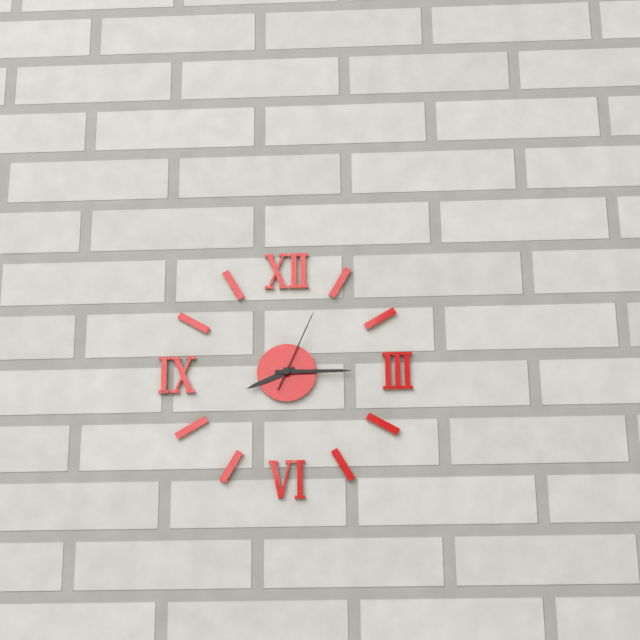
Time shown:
8.15.04
